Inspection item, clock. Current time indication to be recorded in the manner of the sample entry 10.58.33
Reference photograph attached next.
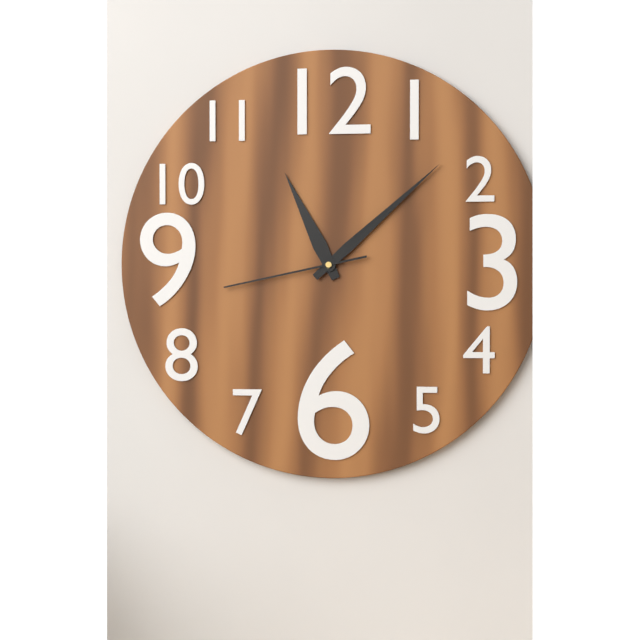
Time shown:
11.08.43
